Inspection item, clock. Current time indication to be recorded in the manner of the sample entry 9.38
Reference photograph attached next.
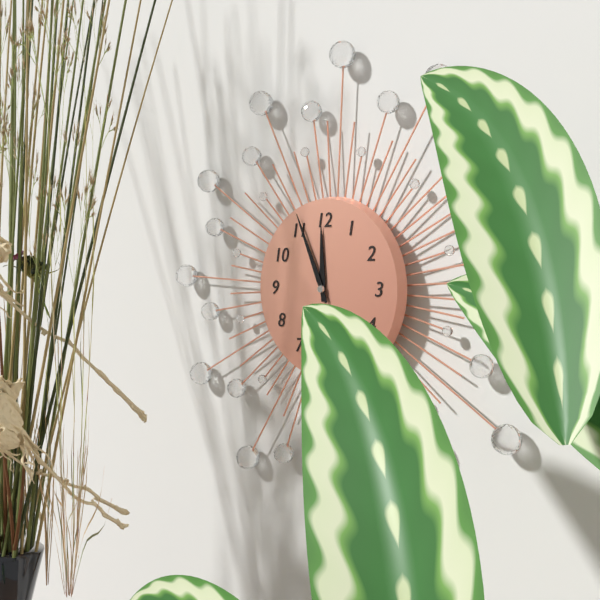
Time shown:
11.56
